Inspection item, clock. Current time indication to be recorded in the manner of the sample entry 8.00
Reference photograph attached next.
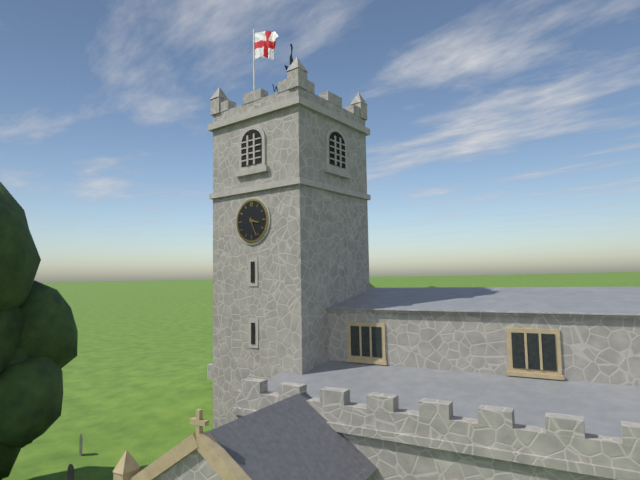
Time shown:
3.26
